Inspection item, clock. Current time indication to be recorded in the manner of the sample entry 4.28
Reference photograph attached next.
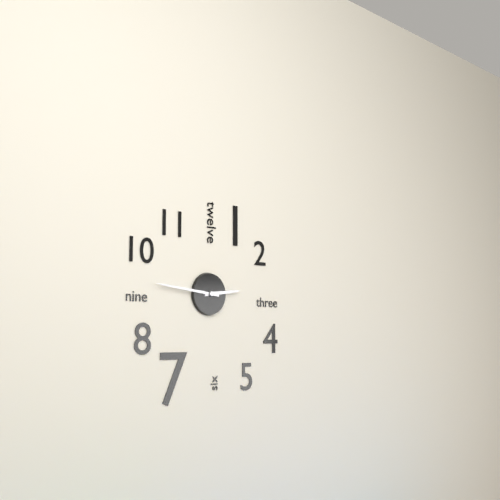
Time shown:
2.46
